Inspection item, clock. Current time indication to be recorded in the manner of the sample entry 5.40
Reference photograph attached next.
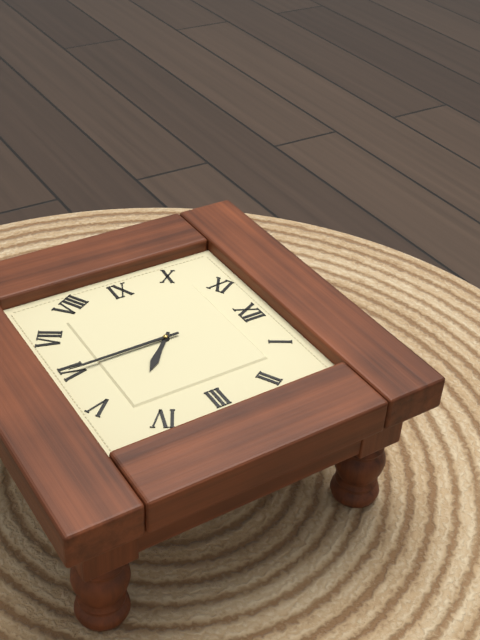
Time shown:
4.30
